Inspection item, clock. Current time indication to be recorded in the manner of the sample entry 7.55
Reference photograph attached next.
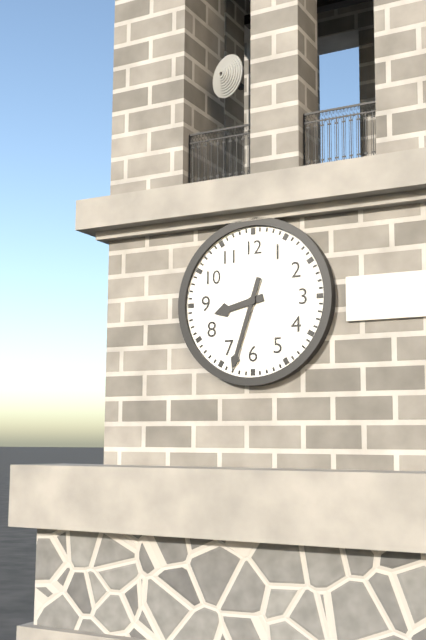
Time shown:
8.33
